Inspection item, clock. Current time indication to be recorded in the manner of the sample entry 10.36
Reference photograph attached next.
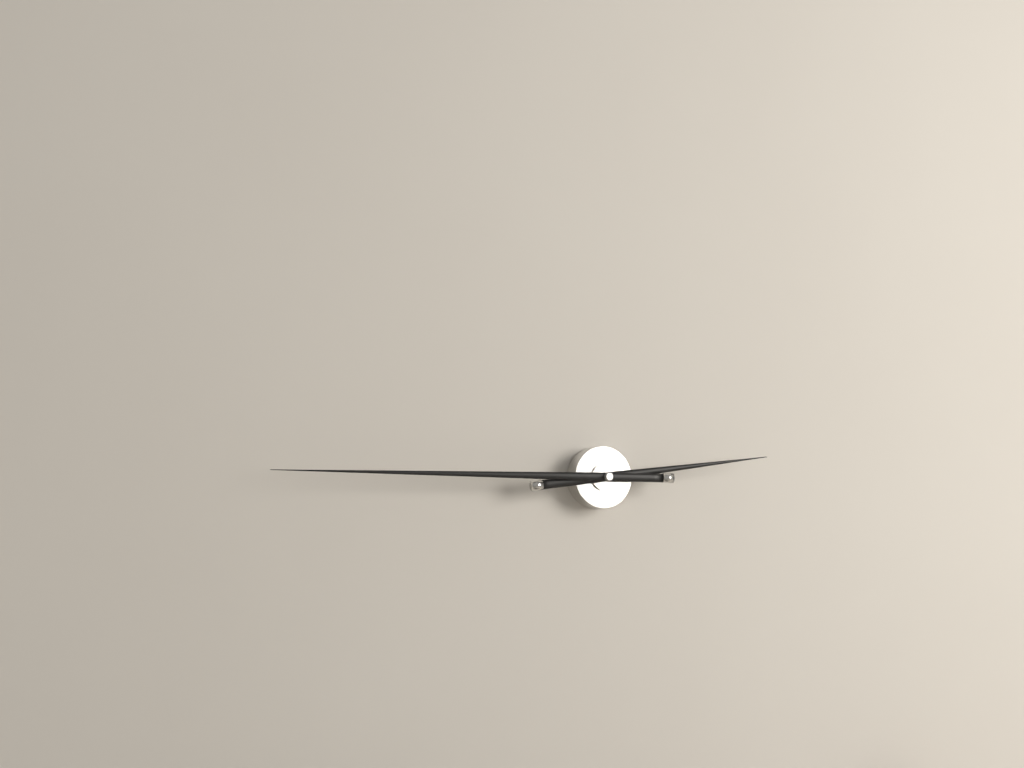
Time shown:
2.45
